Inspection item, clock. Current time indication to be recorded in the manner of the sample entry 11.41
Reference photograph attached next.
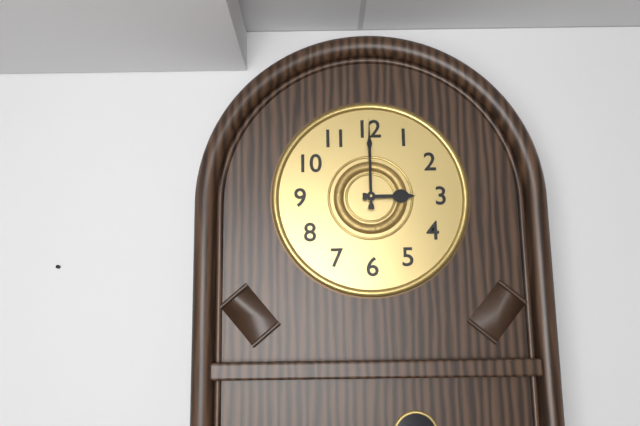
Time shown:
3.00
